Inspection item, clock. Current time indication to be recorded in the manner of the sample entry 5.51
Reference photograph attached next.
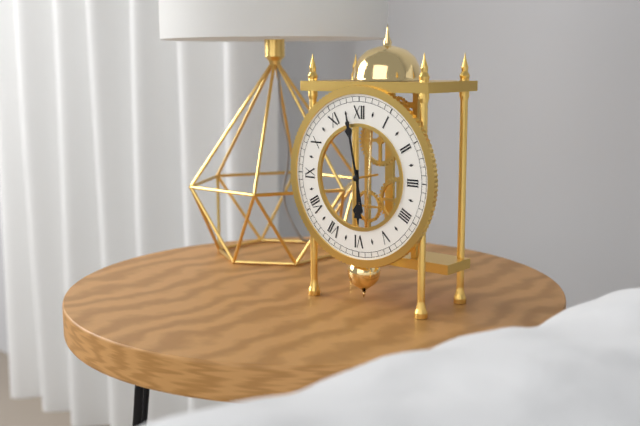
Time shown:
5.58
